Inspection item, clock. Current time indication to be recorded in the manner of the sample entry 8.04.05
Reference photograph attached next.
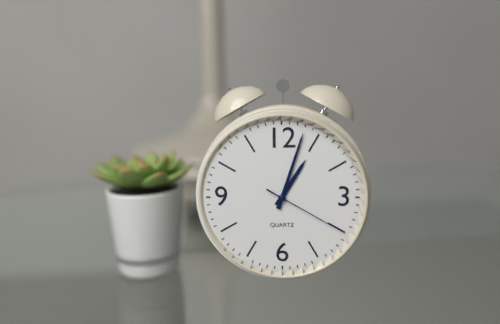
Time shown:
1.03.20
